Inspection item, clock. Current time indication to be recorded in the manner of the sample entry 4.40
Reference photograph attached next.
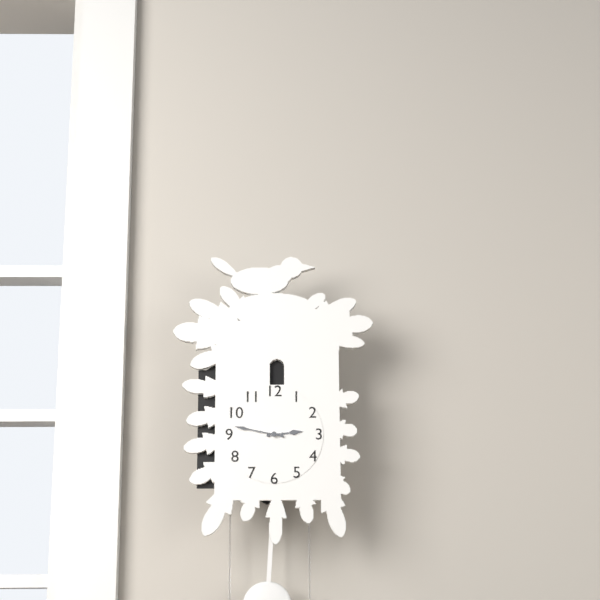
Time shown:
2.47
